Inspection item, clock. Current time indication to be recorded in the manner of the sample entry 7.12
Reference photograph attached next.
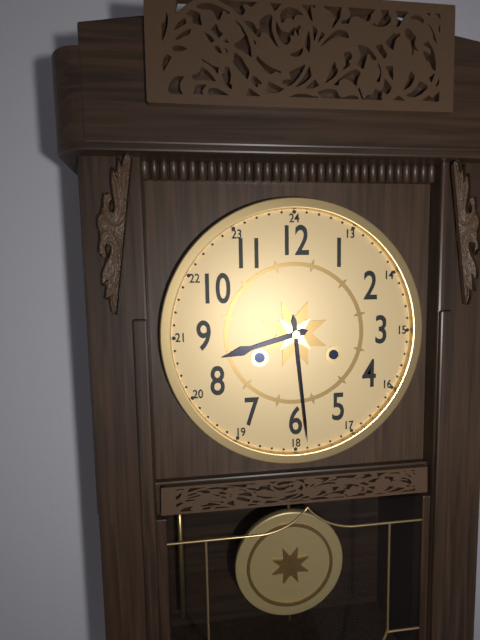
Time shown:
8.29
